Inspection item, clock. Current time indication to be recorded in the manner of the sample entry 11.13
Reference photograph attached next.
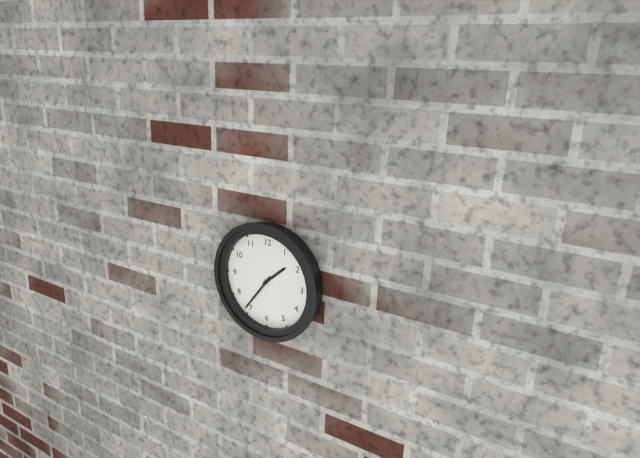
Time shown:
1.36
